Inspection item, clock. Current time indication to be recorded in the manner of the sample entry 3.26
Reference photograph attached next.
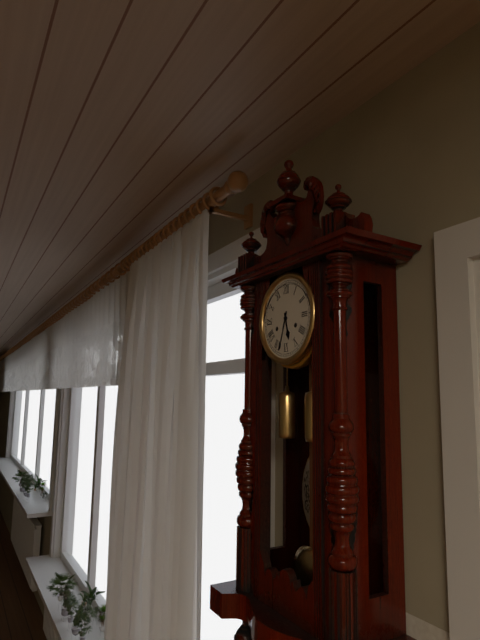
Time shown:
5.33
